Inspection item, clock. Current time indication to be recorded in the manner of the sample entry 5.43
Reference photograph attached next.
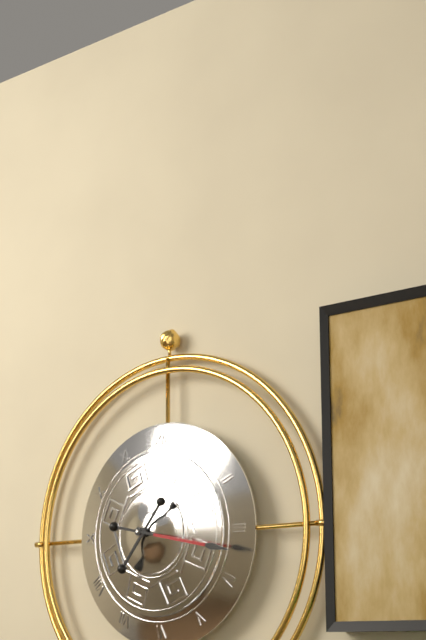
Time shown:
7.17
